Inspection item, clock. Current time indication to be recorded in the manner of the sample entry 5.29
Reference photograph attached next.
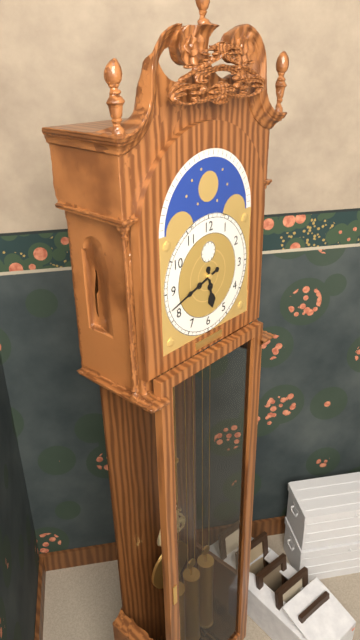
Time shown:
5.42
